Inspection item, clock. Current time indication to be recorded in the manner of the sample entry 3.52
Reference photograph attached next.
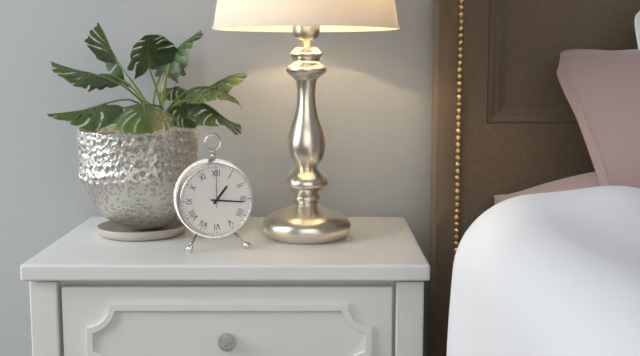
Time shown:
1.16
